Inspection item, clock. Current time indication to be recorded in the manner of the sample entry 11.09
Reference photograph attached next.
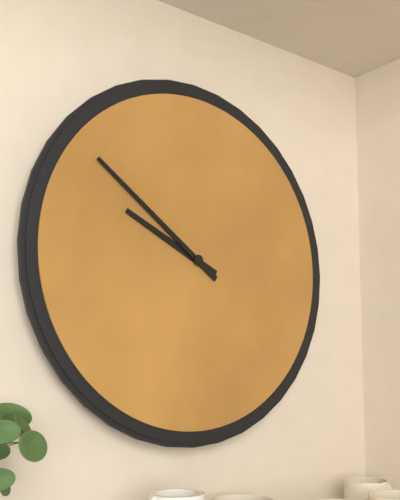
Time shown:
9.51
